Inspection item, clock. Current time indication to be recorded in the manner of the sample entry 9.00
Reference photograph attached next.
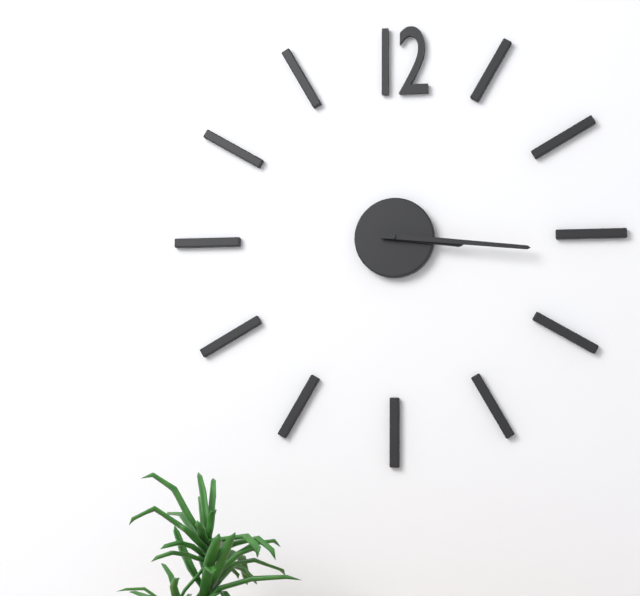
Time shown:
3.16
